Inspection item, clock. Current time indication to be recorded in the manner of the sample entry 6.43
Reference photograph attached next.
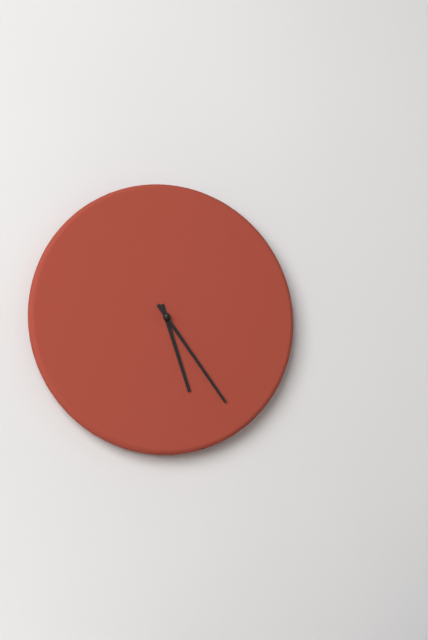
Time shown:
5.24
